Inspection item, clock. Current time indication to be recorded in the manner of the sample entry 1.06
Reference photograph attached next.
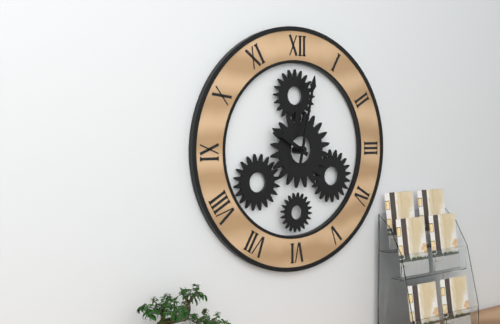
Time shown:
10.02
